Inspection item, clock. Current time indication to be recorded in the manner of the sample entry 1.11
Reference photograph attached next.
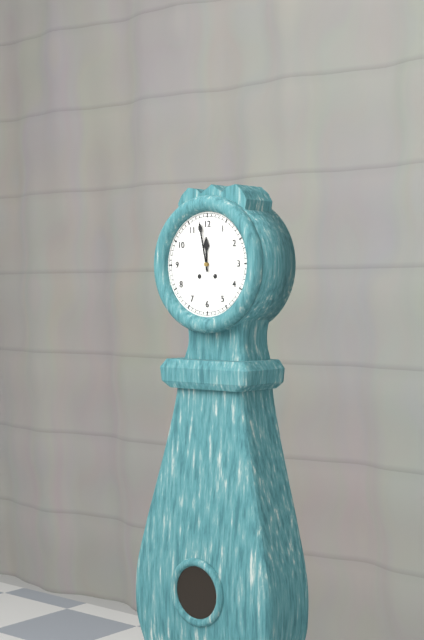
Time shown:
11.58
